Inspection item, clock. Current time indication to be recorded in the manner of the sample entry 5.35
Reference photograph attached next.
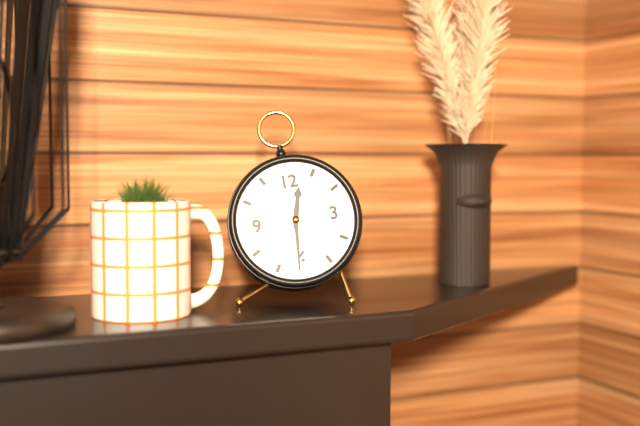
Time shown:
12.31
